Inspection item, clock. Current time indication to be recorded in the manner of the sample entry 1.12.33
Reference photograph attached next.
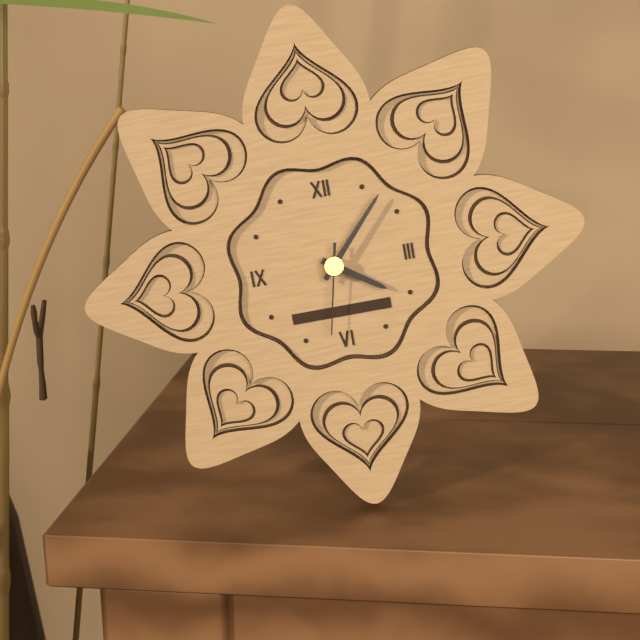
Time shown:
4.07.32
